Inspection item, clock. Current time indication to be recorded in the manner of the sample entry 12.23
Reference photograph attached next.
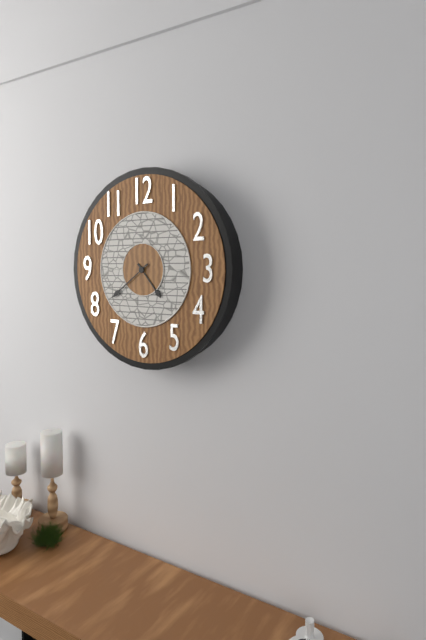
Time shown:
4.39
